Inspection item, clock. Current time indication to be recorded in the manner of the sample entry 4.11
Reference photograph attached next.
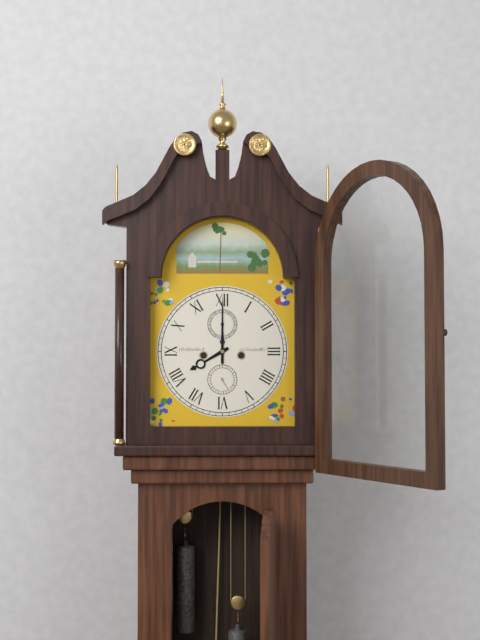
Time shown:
8.00
